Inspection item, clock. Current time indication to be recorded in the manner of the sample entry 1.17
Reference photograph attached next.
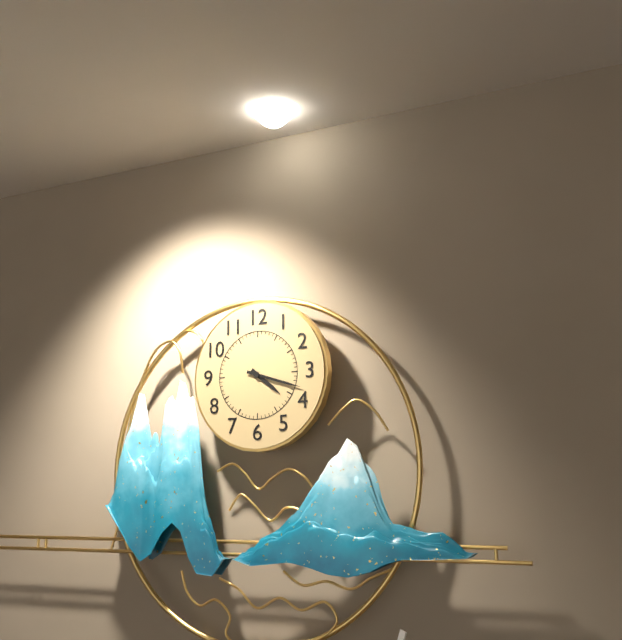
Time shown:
4.18
